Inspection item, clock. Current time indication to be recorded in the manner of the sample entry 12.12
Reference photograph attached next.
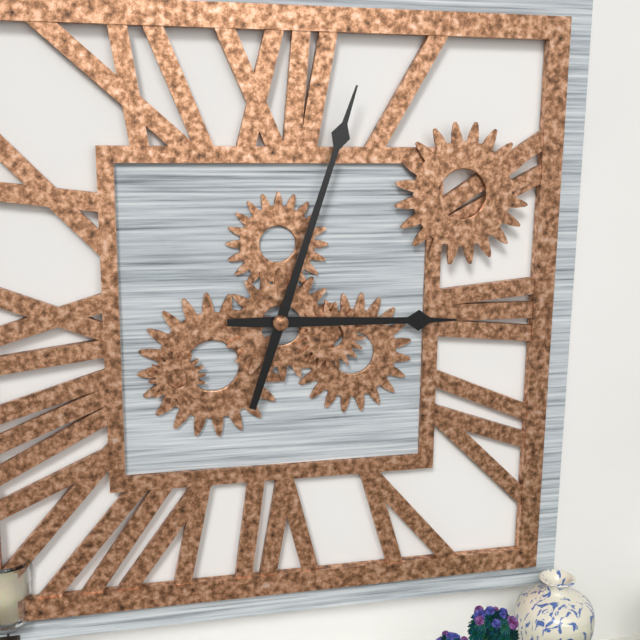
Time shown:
3.03
